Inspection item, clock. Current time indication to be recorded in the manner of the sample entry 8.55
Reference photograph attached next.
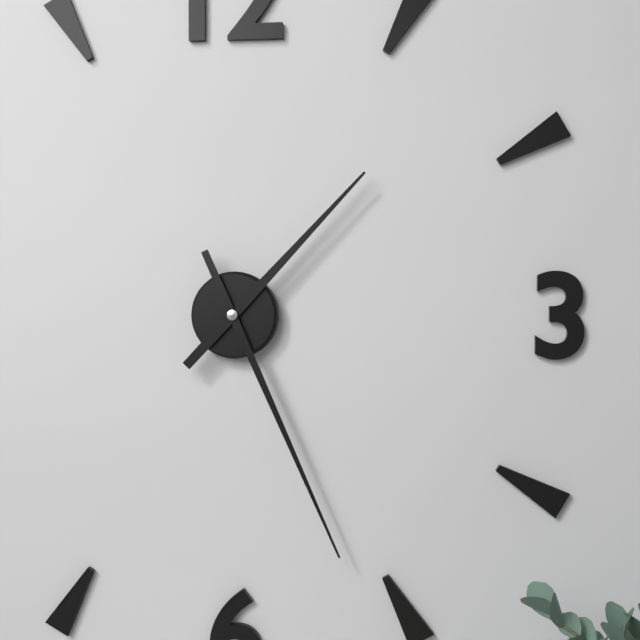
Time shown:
1.26
